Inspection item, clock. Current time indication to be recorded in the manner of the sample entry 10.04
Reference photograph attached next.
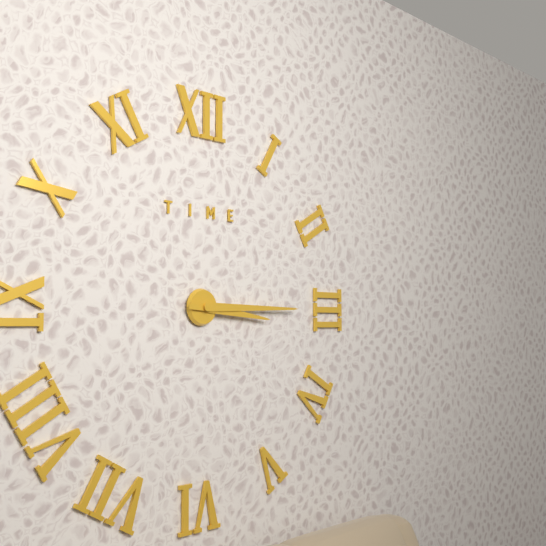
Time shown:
3.15
